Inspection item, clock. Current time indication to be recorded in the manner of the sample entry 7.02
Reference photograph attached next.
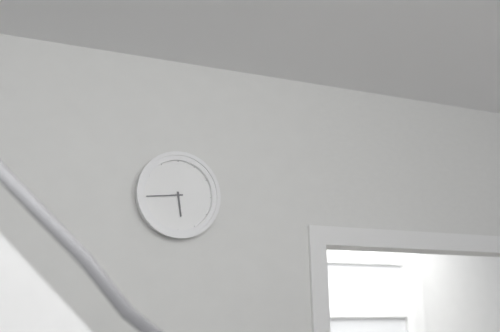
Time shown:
5.44
